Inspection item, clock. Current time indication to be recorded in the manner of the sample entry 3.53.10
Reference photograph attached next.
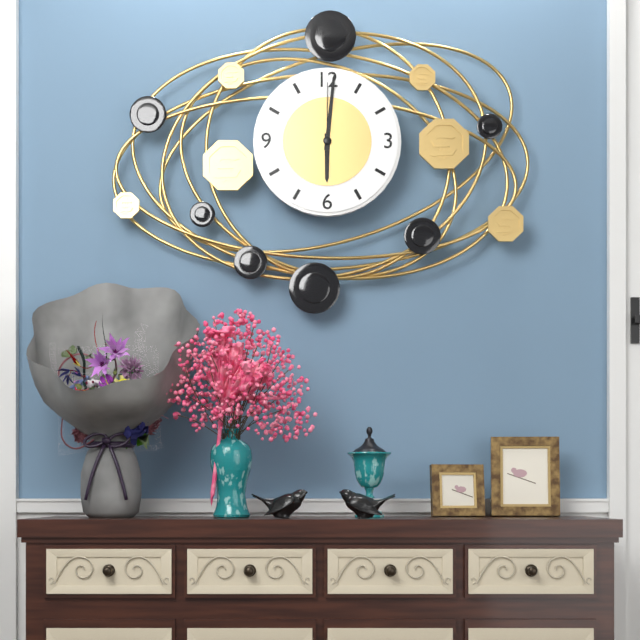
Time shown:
6.01.00
